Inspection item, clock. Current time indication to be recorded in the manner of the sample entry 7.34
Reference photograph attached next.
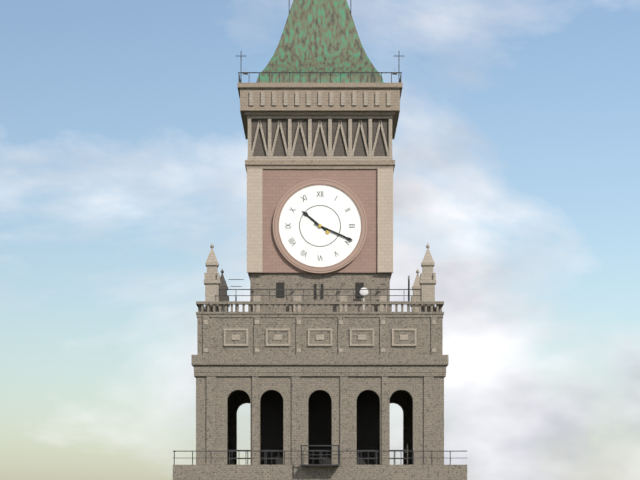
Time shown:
10.19
